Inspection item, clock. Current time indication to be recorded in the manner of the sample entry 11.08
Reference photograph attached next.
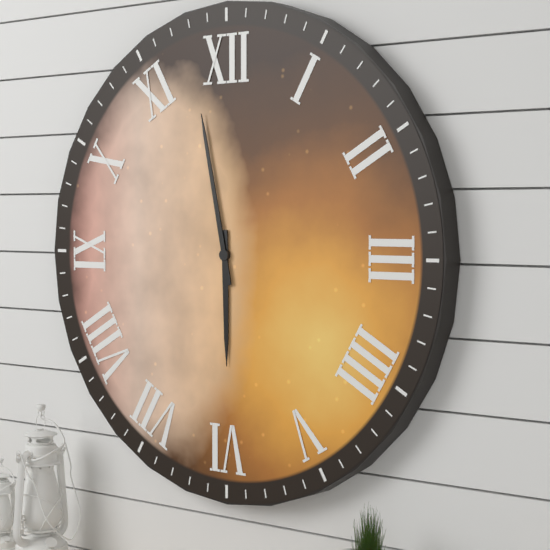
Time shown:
5.58
